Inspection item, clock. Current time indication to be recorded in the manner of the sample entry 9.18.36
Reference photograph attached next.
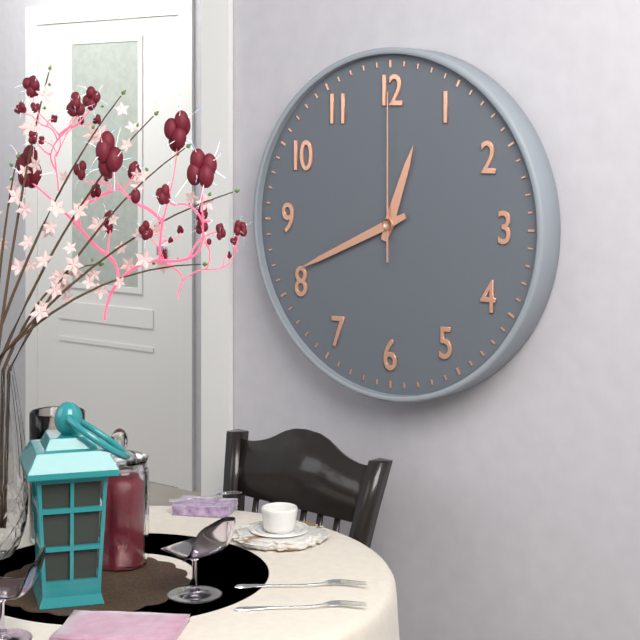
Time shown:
12.41.00
